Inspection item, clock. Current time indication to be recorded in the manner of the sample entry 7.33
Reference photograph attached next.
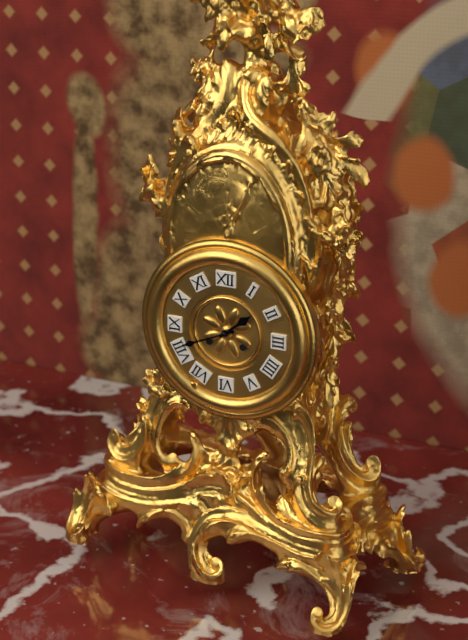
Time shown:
1.41
